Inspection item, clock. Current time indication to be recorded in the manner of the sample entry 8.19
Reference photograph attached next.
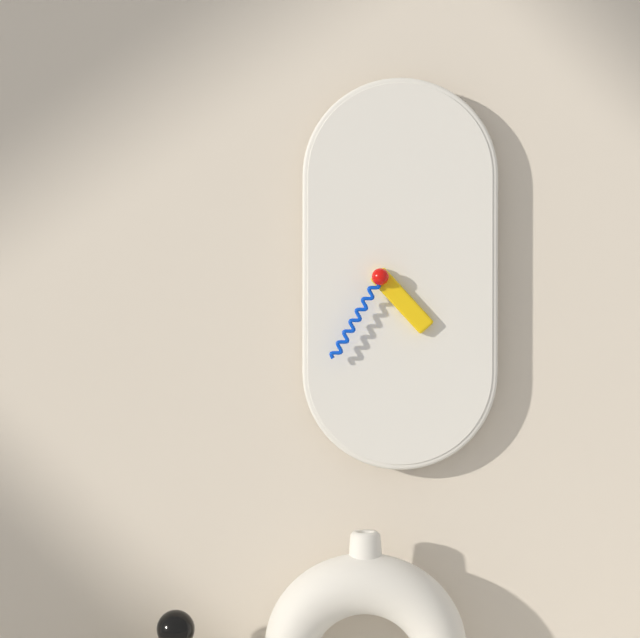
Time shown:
4.35
